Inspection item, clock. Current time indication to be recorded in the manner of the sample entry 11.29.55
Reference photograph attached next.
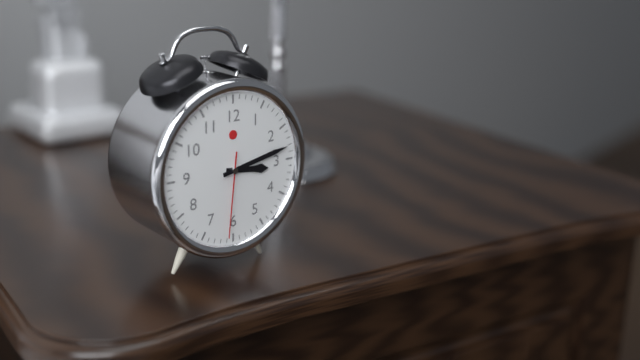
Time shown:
3.13.31
